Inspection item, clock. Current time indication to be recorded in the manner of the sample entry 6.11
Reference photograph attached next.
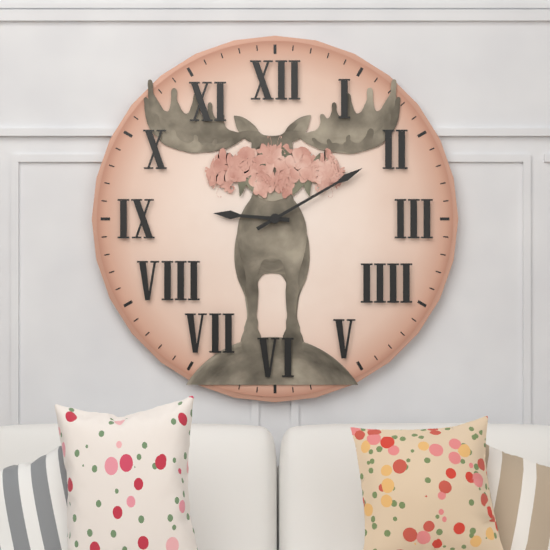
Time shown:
9.10
